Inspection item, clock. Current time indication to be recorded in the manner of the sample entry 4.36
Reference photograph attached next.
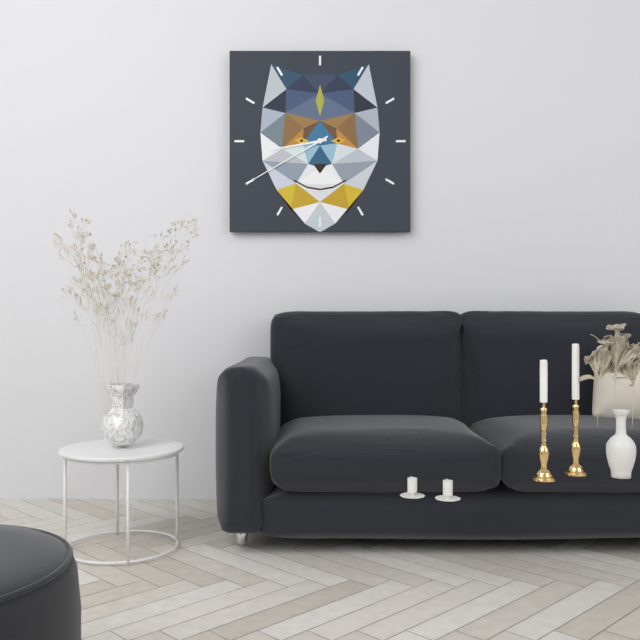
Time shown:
8.40
